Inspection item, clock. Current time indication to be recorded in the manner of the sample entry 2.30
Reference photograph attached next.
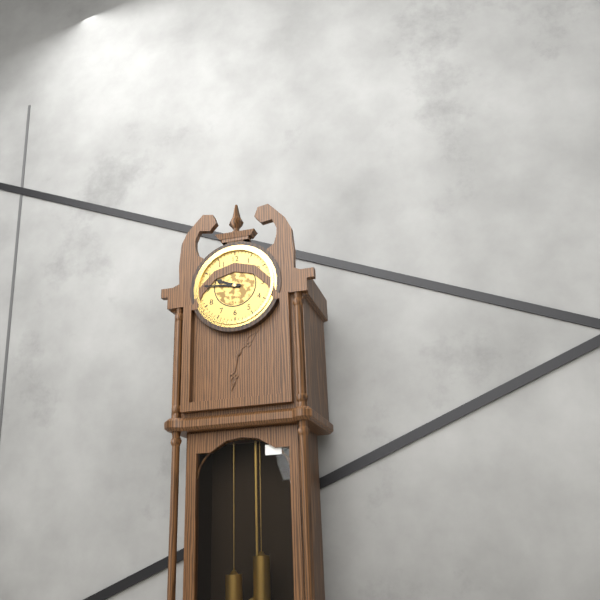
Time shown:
9.46
